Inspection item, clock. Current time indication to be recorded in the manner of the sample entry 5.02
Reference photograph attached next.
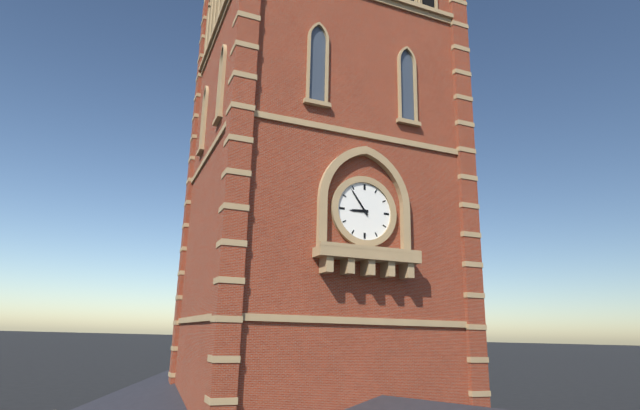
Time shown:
8.54
